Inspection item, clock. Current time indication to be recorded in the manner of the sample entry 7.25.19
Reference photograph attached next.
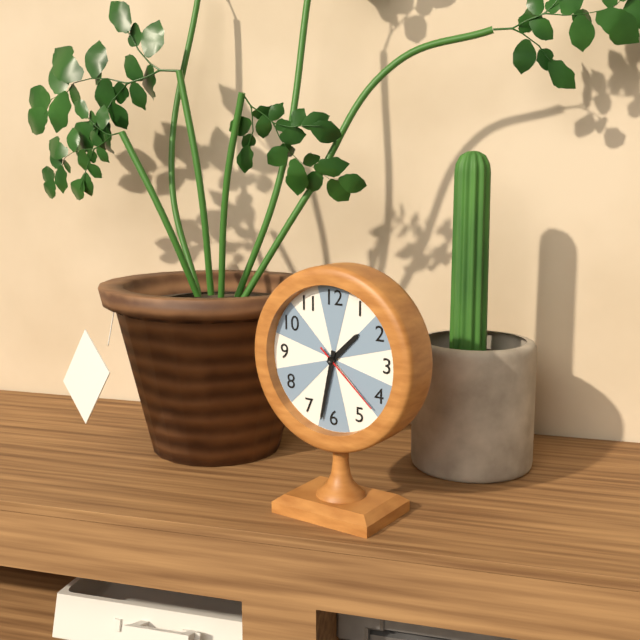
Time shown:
1.32.22
